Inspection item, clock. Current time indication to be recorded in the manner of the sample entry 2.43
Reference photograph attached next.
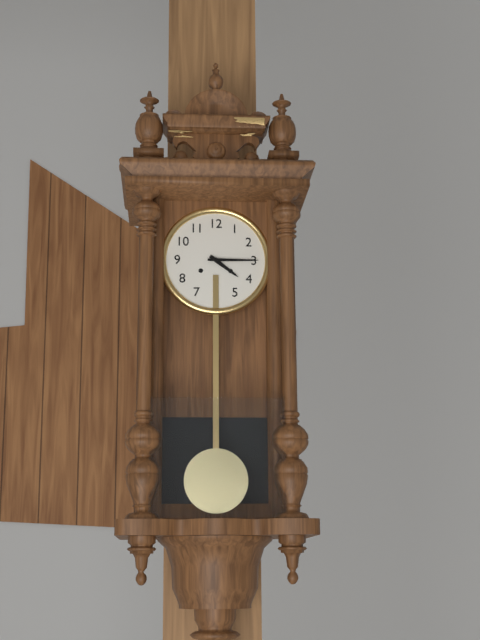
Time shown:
4.15
